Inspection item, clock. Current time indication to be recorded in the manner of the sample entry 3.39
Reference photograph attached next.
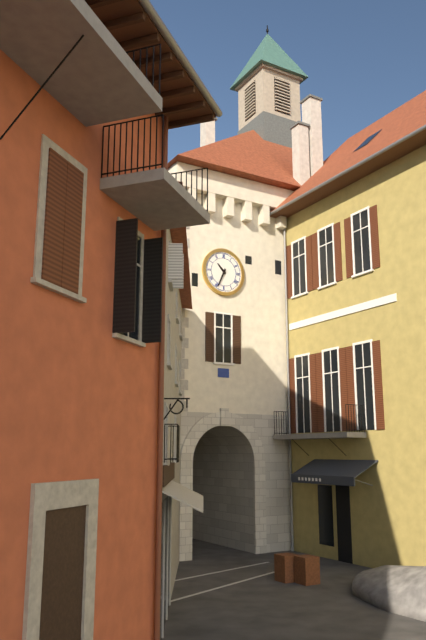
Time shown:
10.34
